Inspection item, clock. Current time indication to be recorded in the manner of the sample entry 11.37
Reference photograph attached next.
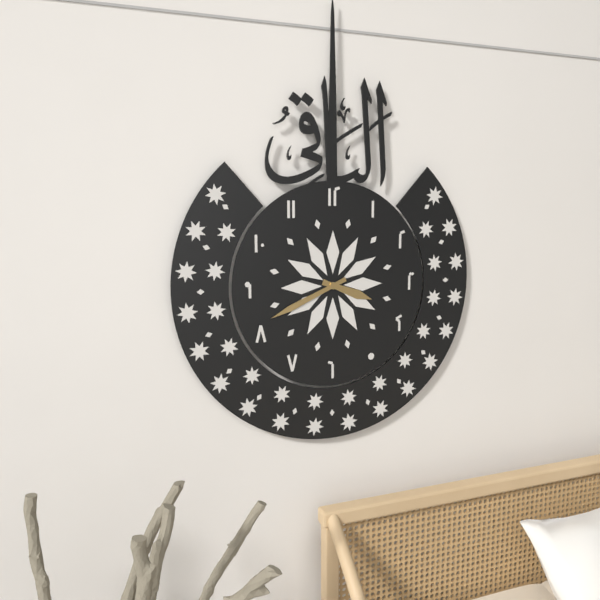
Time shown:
3.41
